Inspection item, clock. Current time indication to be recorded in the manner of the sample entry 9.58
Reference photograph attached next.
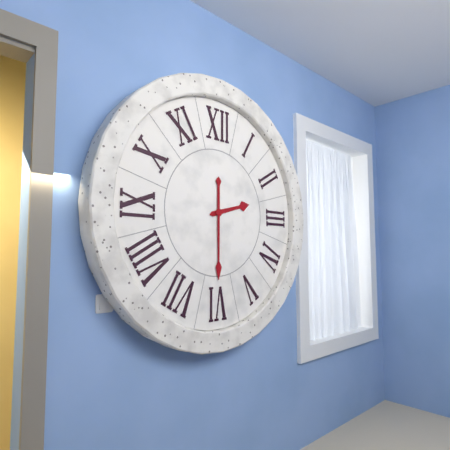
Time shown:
2.30
